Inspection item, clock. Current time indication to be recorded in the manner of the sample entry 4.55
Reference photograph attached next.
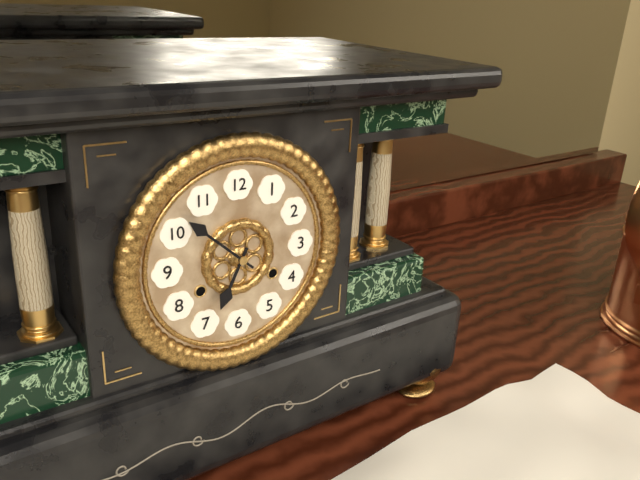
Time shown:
6.52
